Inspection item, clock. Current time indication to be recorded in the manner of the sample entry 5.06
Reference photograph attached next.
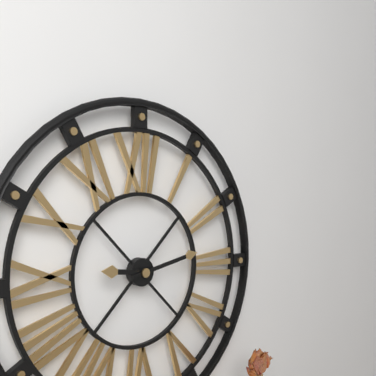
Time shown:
9.13
